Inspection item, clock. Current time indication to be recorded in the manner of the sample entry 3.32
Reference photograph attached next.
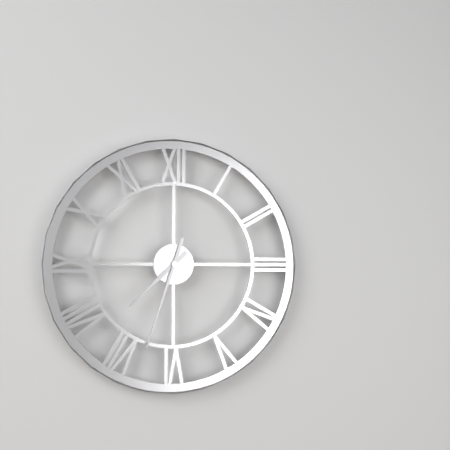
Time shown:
7.33
